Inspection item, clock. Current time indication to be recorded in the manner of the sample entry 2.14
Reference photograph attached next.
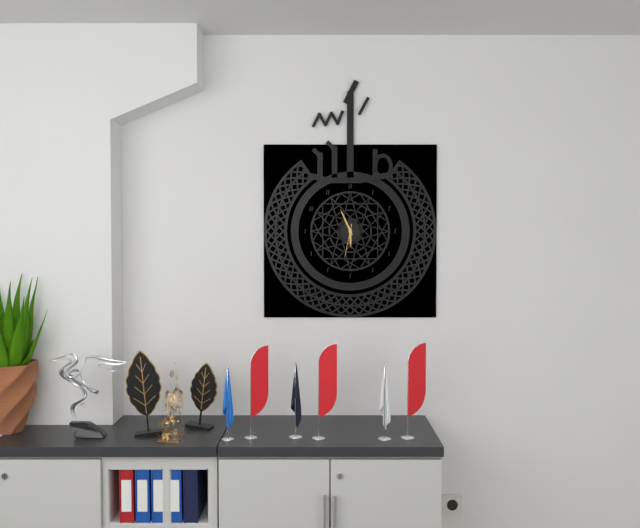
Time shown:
5.56
